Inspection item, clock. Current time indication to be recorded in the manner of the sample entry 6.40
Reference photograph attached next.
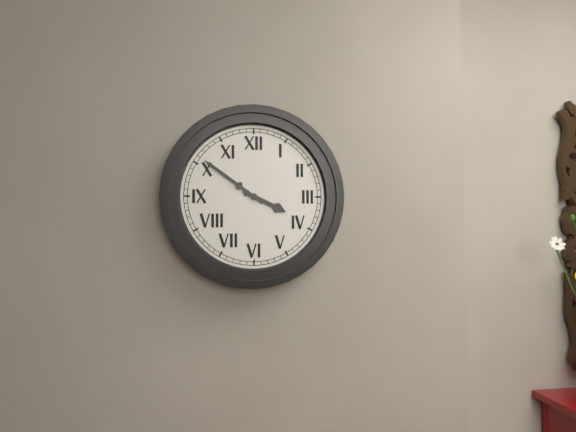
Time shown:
3.51
